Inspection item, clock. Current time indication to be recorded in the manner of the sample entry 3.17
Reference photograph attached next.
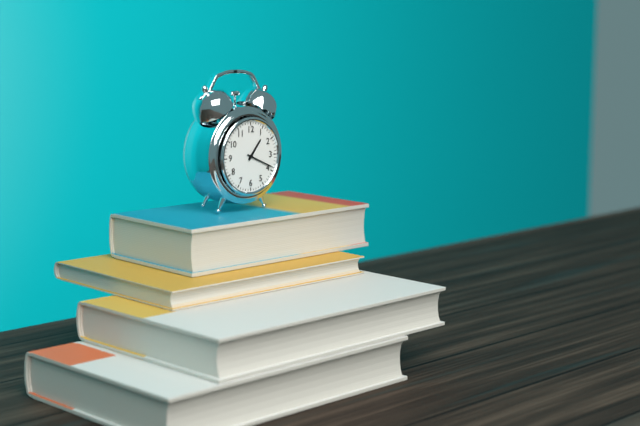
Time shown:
1.19
